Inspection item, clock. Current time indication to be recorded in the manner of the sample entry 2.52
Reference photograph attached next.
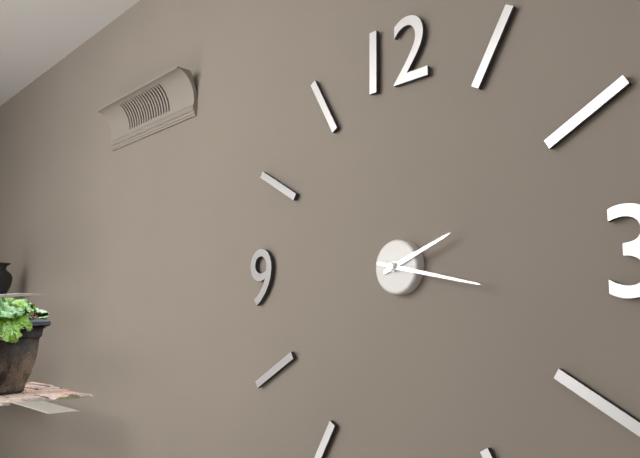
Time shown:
2.17
